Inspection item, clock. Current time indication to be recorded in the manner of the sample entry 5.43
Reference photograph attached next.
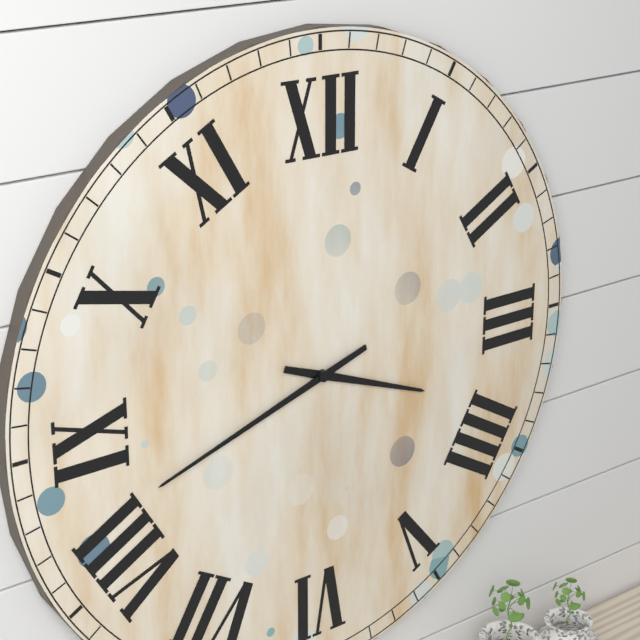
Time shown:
3.42
